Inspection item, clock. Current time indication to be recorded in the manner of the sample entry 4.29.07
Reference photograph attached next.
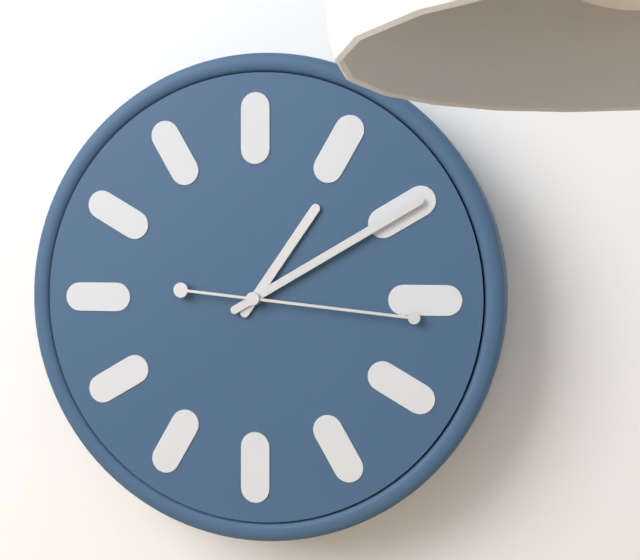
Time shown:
1.10.16
